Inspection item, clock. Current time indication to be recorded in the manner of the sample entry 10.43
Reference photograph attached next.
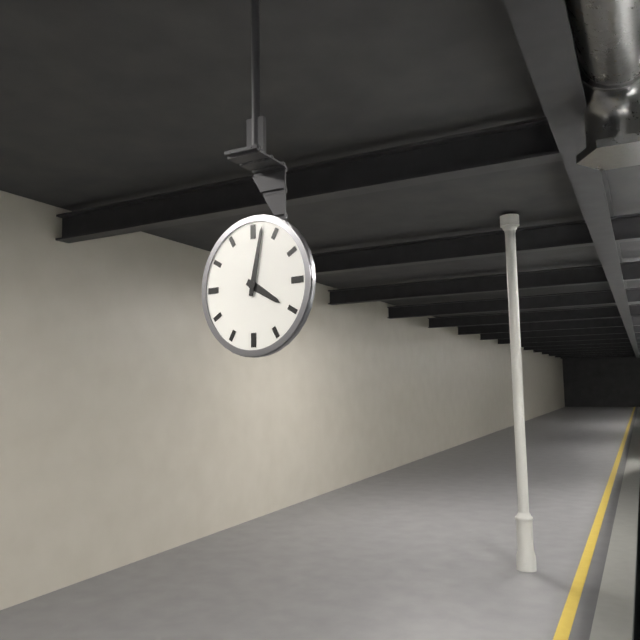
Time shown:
4.02
